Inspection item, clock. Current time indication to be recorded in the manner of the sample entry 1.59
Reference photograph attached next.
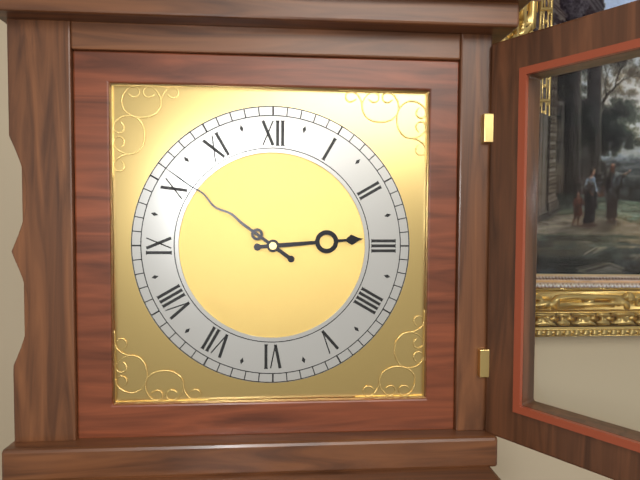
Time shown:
2.51
